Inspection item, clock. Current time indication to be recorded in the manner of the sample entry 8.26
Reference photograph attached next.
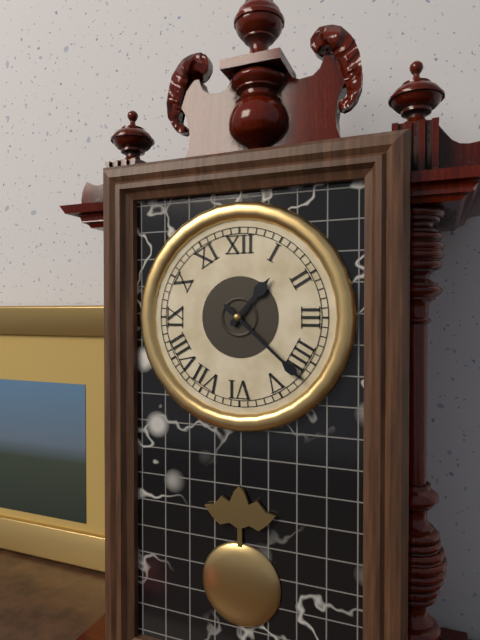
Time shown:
1.22
